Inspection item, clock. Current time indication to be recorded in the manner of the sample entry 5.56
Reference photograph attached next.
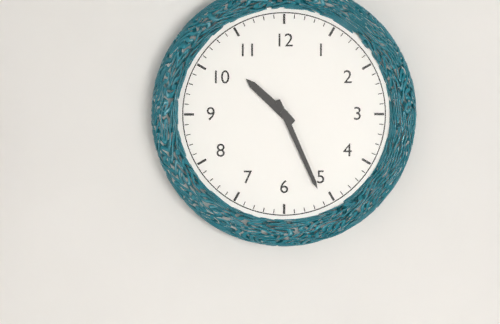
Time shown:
10.26
